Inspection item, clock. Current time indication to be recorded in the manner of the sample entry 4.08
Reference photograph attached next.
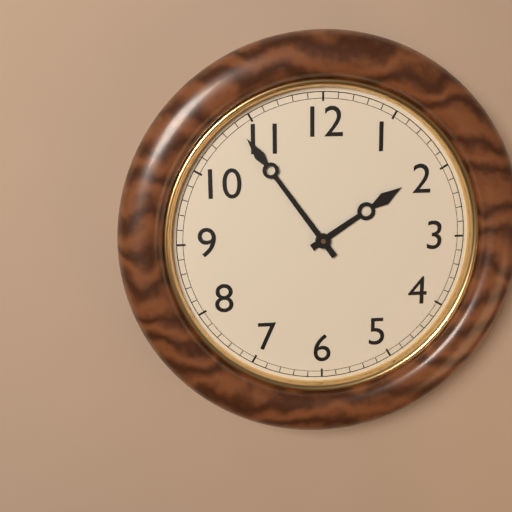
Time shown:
1.54
